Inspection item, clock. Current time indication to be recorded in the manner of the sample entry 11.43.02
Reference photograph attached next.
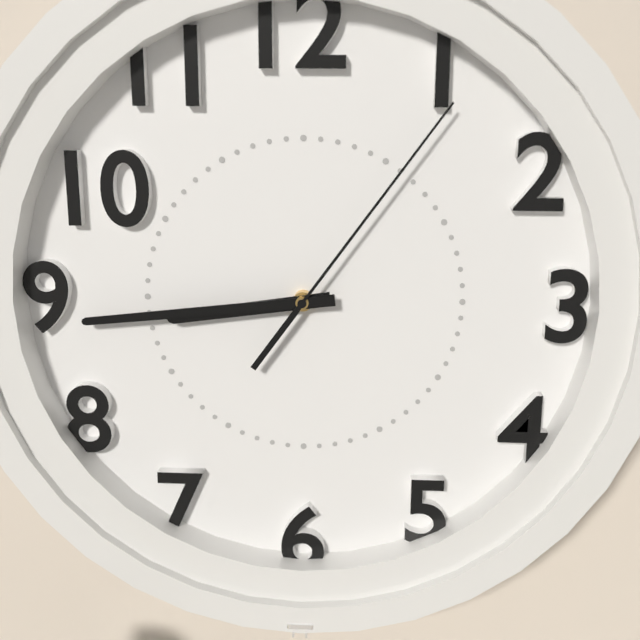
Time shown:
8.44.06
